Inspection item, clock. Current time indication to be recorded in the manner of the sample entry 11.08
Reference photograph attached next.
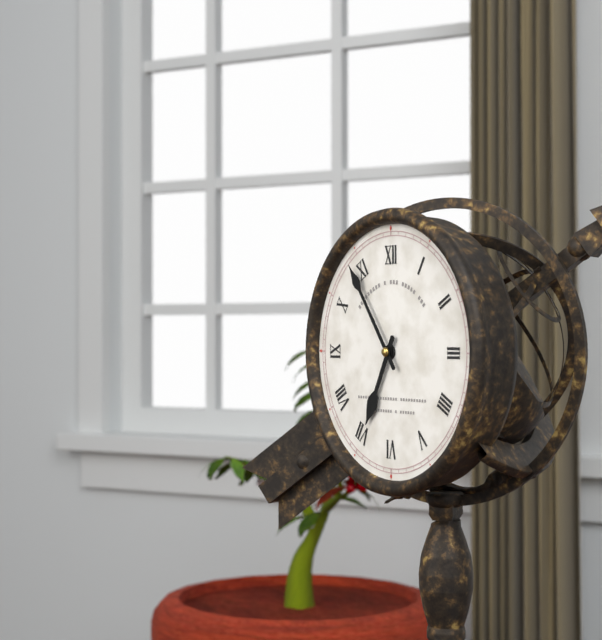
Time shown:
6.54
